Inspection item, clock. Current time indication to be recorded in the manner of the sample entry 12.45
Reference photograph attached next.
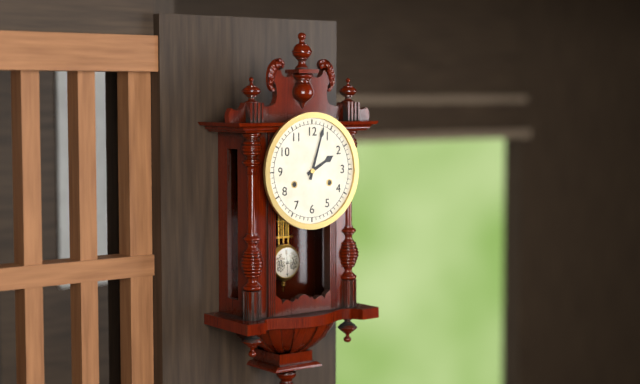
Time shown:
2.03
